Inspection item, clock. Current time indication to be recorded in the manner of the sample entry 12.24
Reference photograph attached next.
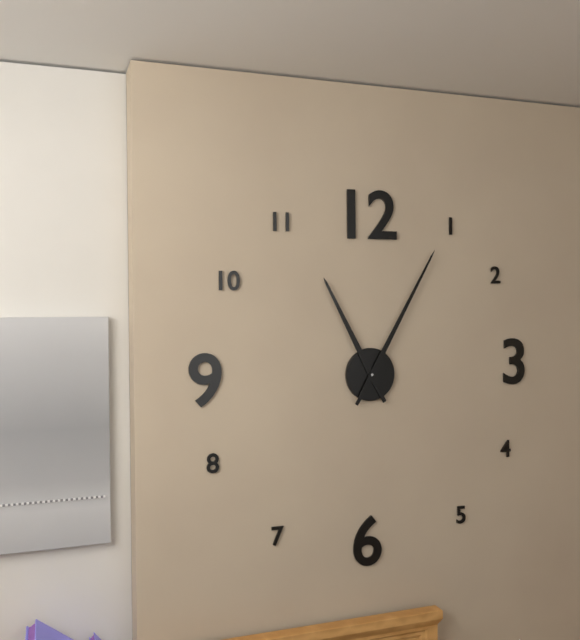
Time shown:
11.05
